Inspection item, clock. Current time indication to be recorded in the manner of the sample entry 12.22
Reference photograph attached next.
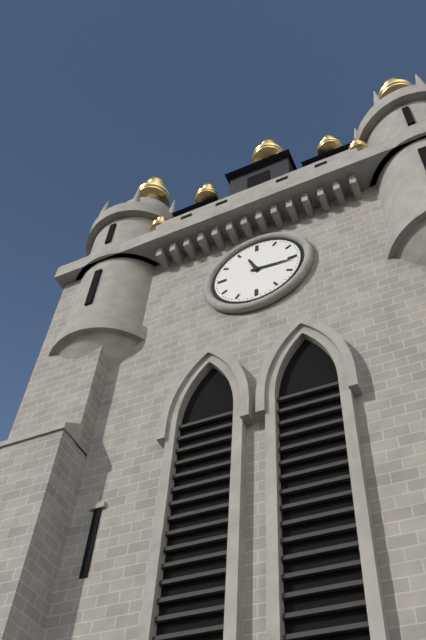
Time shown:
11.16
